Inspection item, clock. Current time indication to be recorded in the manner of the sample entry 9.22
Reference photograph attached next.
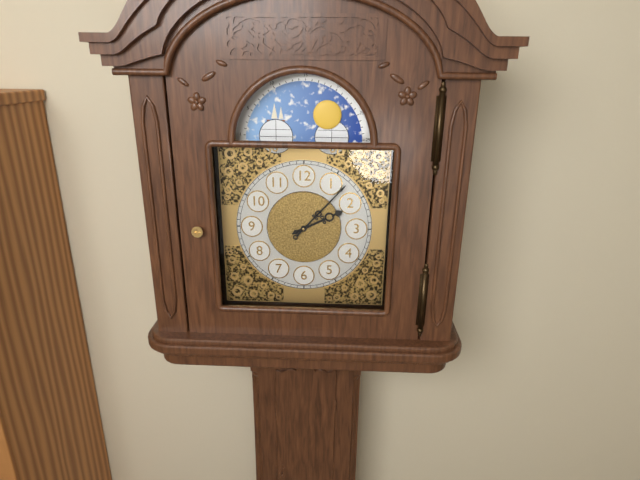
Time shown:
2.07
